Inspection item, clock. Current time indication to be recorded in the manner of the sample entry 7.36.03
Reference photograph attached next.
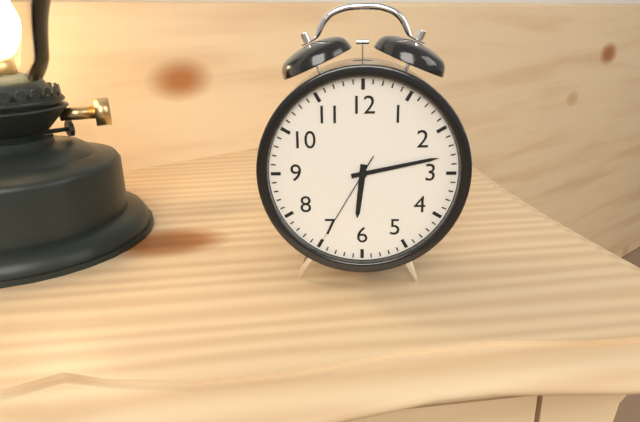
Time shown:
6.13.35
